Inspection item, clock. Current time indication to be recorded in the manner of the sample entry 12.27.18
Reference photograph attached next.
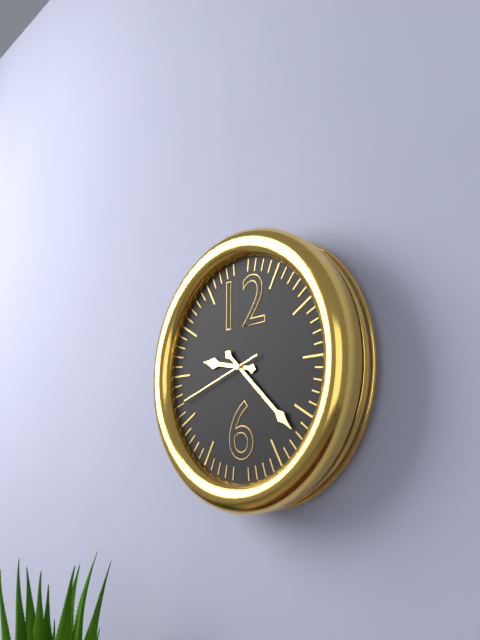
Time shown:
9.22.42
